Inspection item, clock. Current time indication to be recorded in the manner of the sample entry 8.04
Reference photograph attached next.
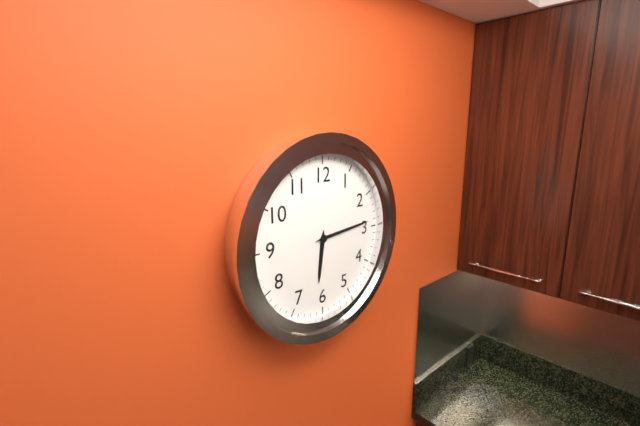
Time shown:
6.14
